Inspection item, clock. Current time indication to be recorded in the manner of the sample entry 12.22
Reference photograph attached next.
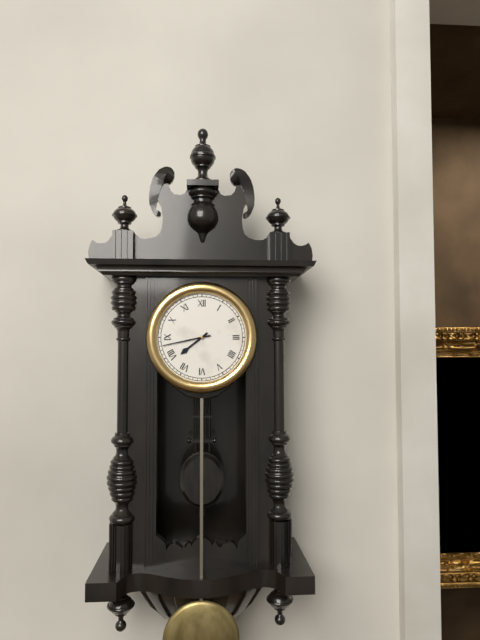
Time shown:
7.43
